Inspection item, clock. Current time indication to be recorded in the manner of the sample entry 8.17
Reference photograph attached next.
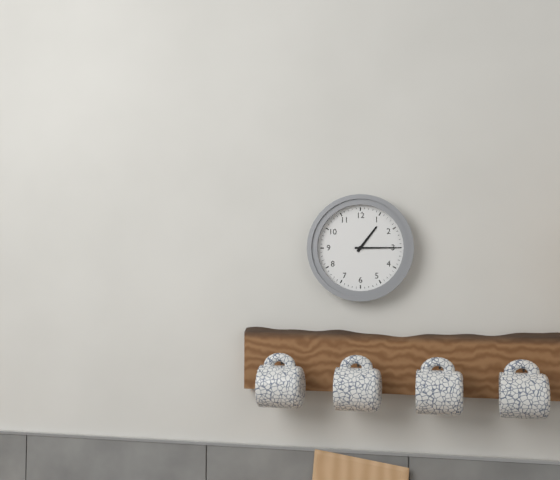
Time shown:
1.15
